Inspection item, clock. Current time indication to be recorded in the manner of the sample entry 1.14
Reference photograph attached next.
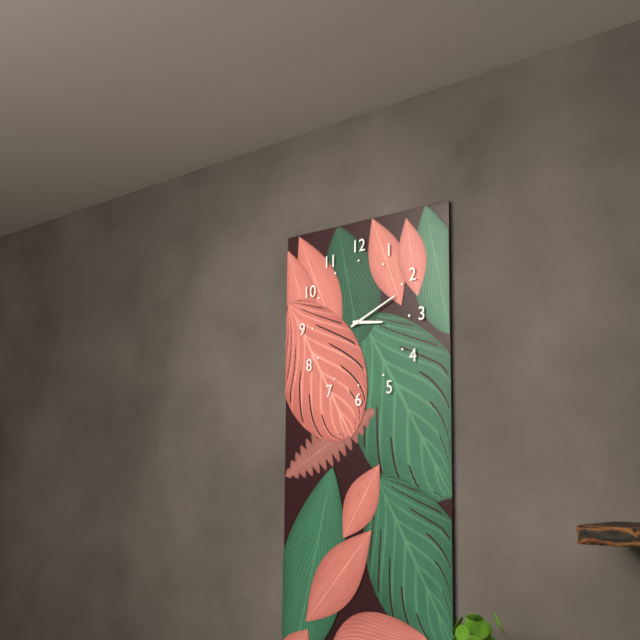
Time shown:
3.11
